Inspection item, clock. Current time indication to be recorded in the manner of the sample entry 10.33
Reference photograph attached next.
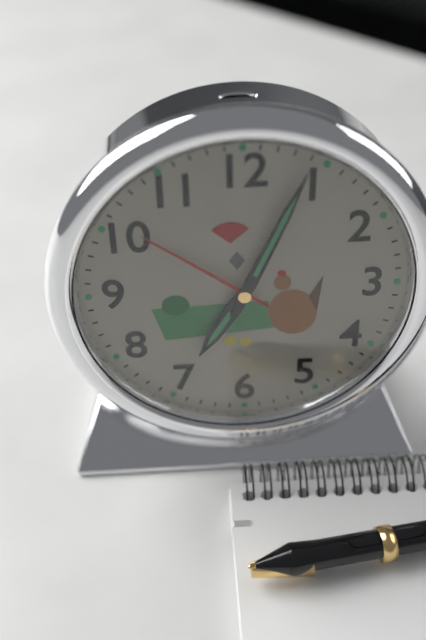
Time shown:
7.04
